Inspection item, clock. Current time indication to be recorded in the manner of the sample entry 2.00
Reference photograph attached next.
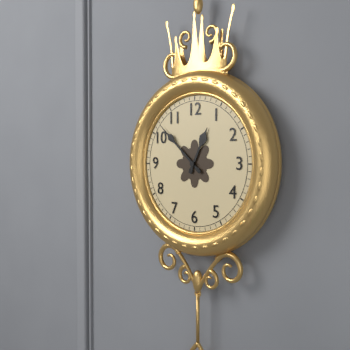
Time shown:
12.52
